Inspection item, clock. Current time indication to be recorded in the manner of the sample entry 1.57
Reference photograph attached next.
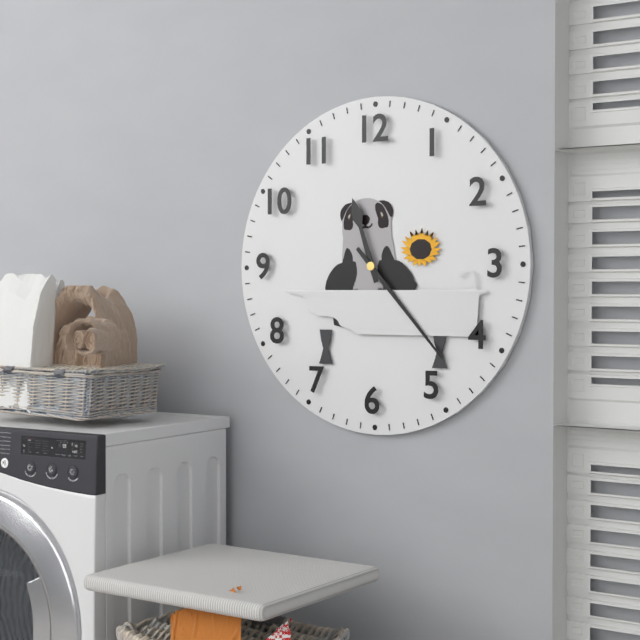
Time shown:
11.23
